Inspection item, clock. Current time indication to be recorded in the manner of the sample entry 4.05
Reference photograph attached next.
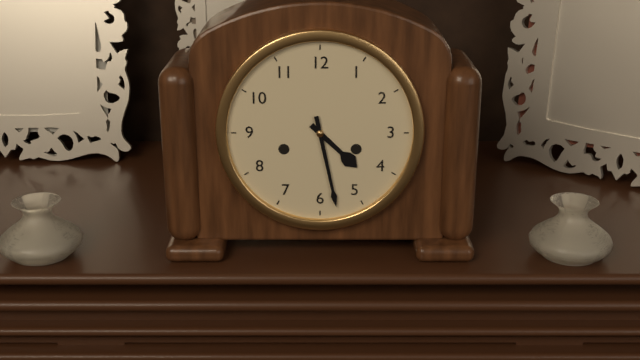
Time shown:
4.28
